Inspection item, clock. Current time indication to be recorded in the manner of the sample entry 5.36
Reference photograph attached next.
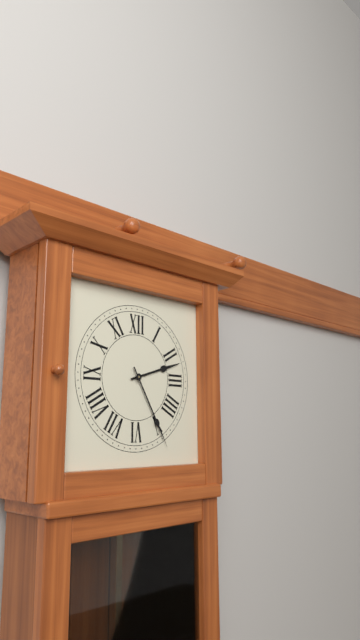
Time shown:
2.25
